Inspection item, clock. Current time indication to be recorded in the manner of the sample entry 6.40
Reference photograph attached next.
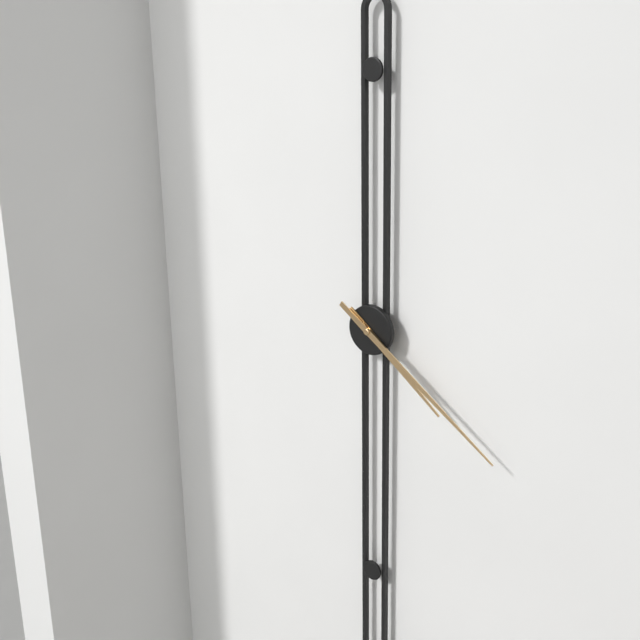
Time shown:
4.21
